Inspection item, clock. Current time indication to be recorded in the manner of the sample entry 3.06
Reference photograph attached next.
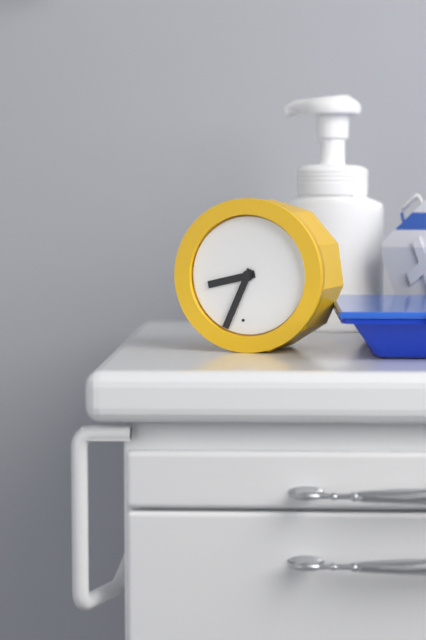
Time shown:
8.34
